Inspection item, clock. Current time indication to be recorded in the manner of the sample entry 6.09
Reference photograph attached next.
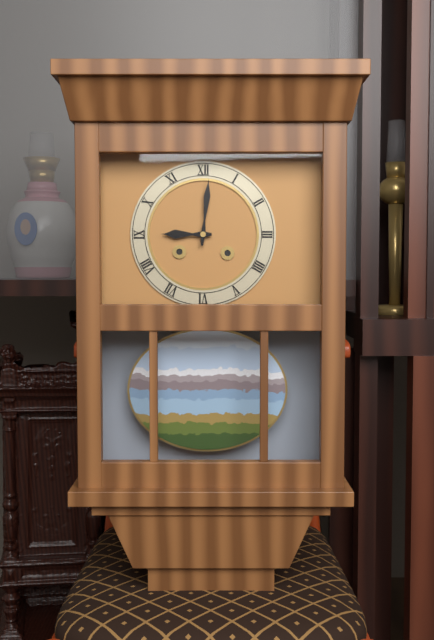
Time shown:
9.01
